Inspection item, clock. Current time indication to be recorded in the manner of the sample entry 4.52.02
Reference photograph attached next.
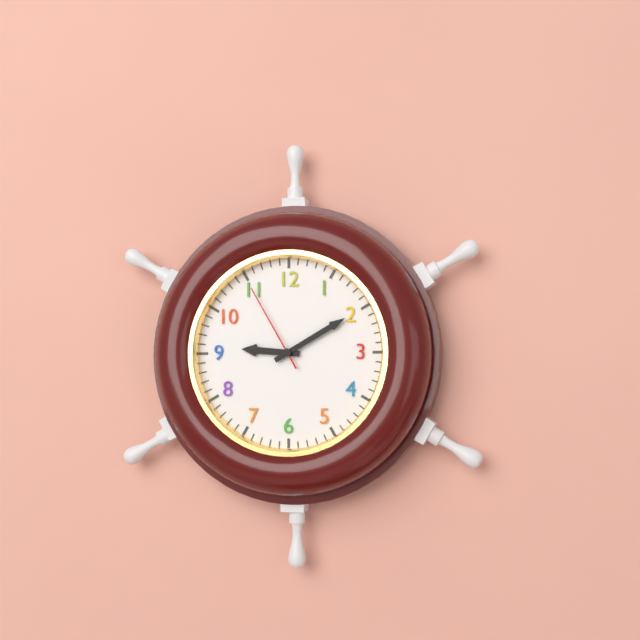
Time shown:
9.10.55
